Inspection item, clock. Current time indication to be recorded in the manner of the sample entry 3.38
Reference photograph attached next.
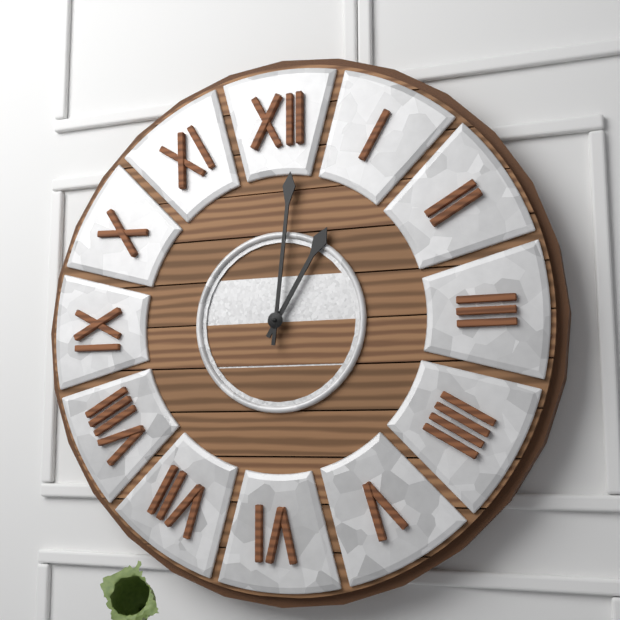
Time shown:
1.01
